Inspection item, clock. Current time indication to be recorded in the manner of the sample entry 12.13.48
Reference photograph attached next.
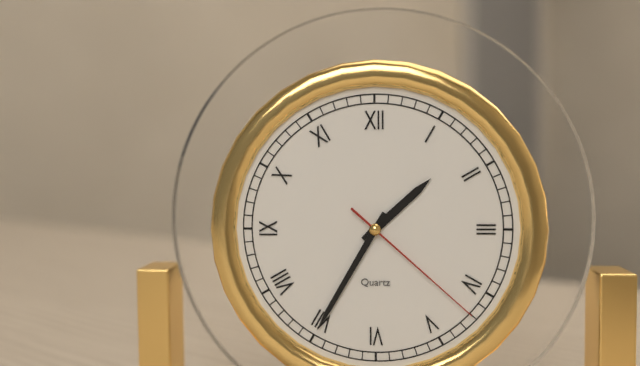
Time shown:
1.35.22
